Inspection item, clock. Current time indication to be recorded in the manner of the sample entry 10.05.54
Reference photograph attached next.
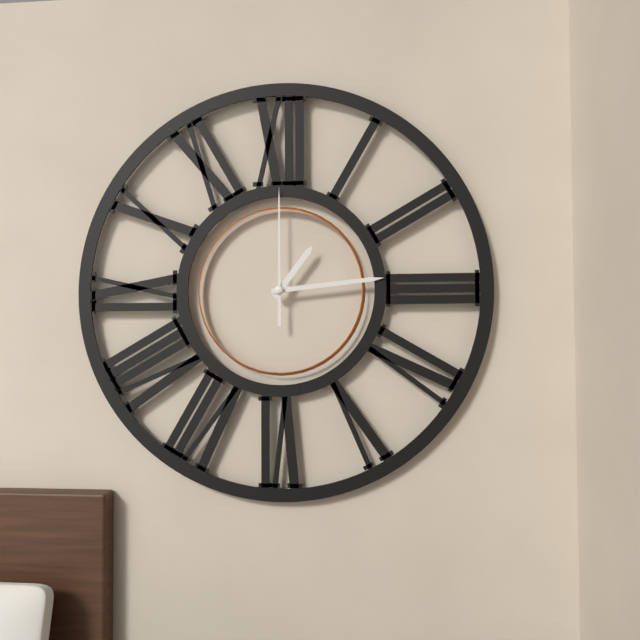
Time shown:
1.14.00
